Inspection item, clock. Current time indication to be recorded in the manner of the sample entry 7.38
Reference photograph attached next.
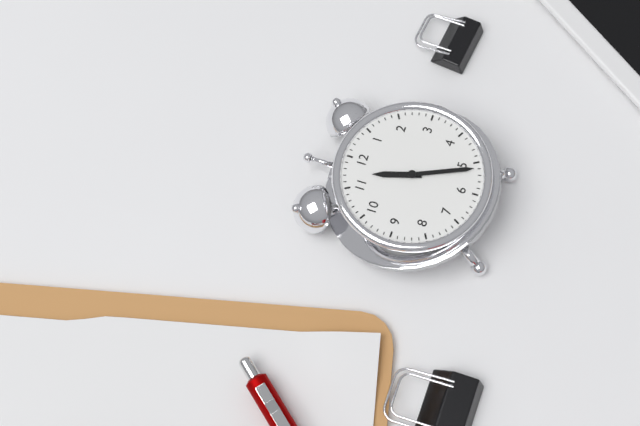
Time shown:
11.26
